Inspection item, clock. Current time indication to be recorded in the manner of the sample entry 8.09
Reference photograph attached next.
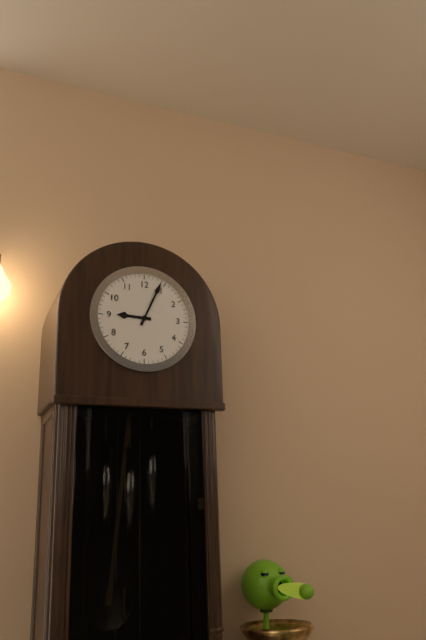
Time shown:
9.04
